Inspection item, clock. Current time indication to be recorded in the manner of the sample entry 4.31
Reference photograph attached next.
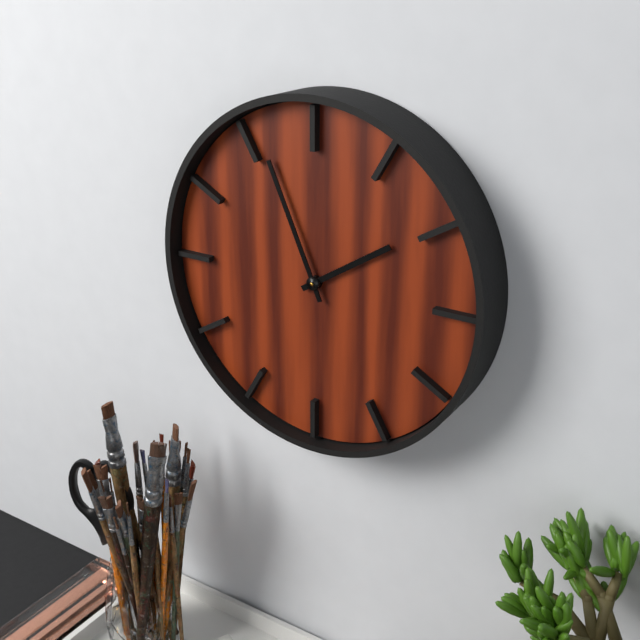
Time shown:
1.56
